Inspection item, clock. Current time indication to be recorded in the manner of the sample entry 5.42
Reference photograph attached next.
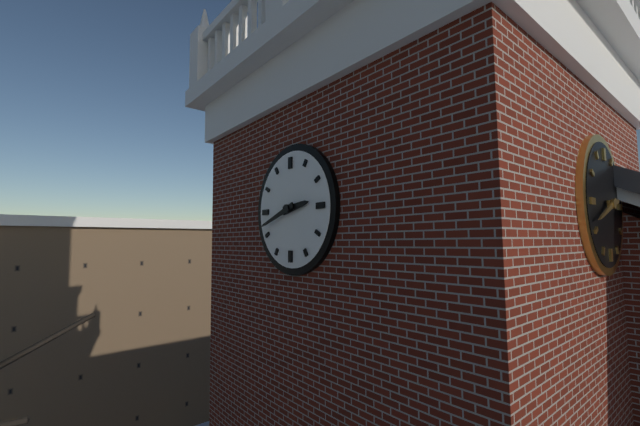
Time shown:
2.42
